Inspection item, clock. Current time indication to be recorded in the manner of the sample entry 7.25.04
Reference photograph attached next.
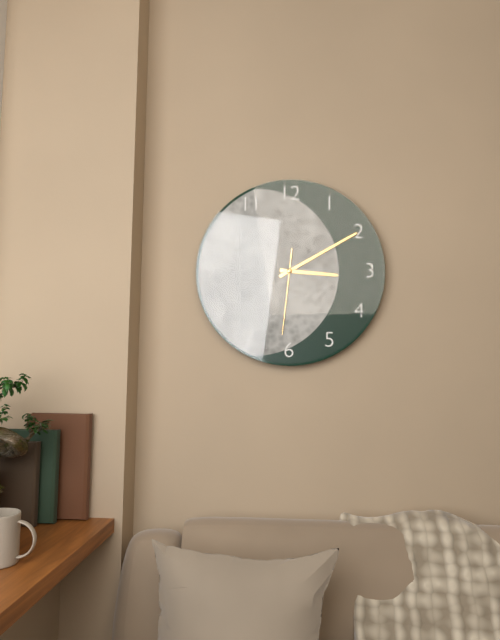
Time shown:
3.10.31
